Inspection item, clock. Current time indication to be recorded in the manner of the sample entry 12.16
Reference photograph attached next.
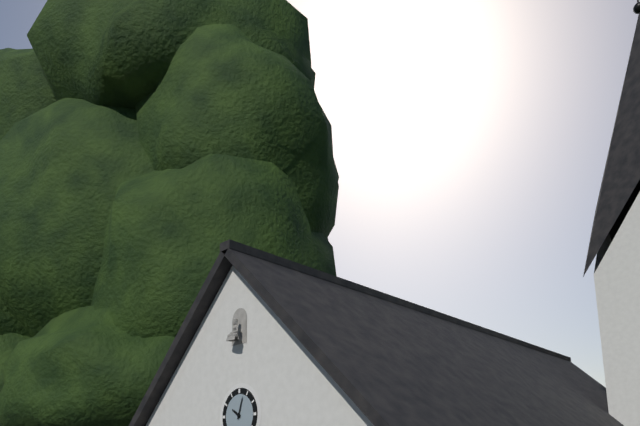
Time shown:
10.03
